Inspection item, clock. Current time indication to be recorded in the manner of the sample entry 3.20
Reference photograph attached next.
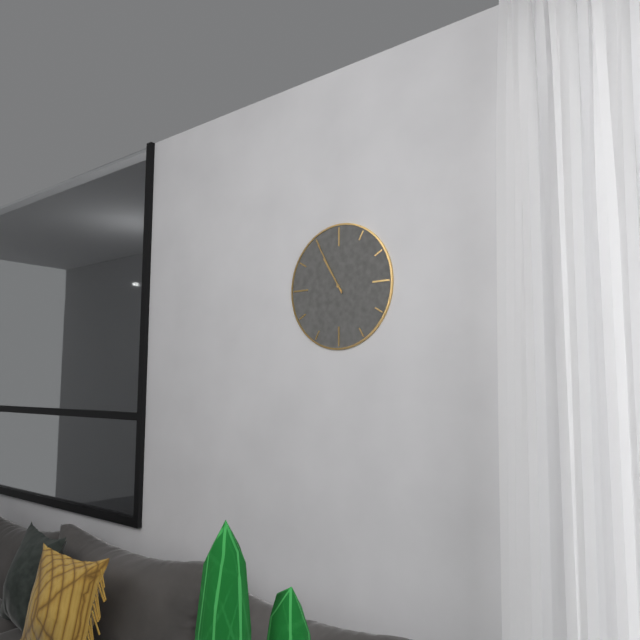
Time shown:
10.55
